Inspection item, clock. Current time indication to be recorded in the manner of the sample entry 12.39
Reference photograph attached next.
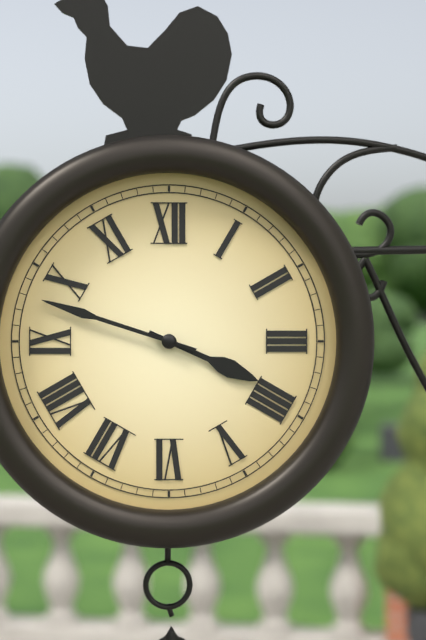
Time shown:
3.48
